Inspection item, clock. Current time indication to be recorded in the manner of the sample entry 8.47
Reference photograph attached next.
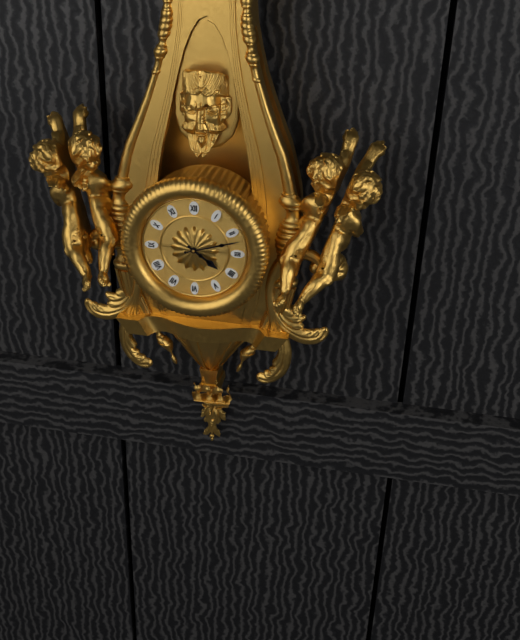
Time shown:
4.12
